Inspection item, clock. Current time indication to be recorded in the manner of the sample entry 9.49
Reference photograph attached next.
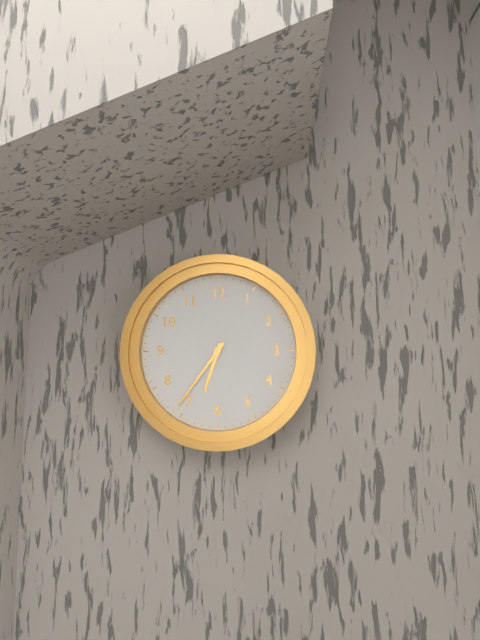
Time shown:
6.36
